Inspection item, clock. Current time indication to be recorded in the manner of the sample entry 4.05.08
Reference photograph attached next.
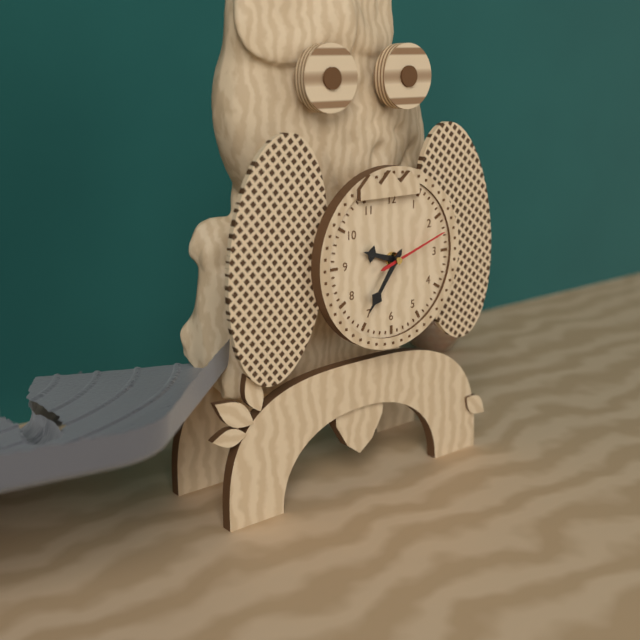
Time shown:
9.36.12
